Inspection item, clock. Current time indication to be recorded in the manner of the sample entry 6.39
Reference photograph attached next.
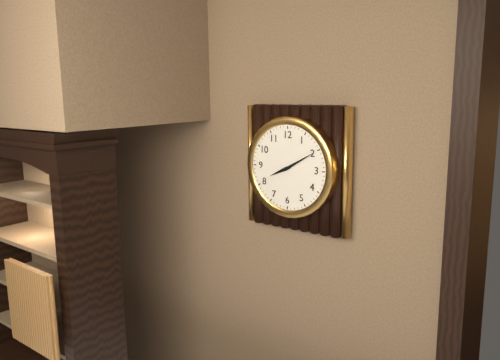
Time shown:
8.10
